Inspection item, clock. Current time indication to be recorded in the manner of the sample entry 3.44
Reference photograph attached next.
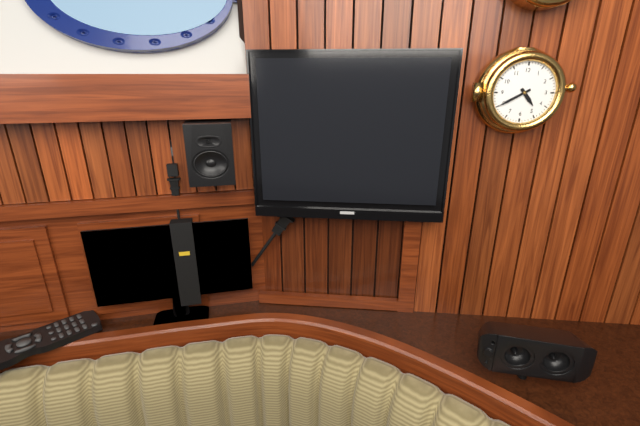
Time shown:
4.40
